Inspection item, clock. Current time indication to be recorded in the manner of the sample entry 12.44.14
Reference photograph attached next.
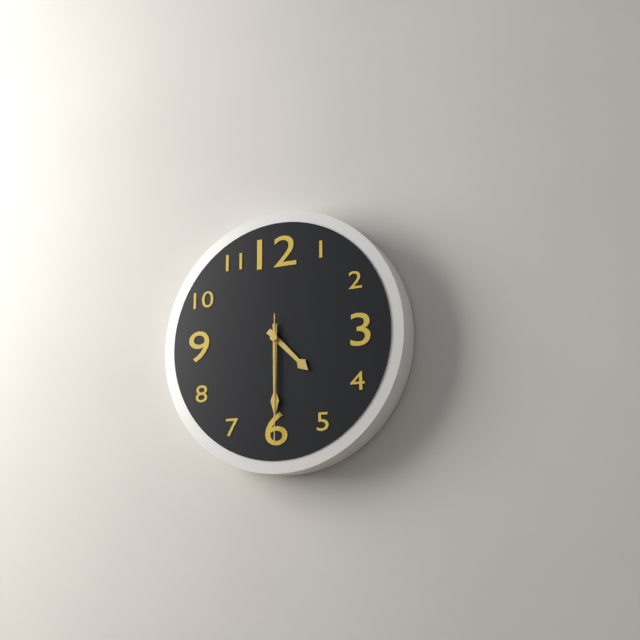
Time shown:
4.30.30
